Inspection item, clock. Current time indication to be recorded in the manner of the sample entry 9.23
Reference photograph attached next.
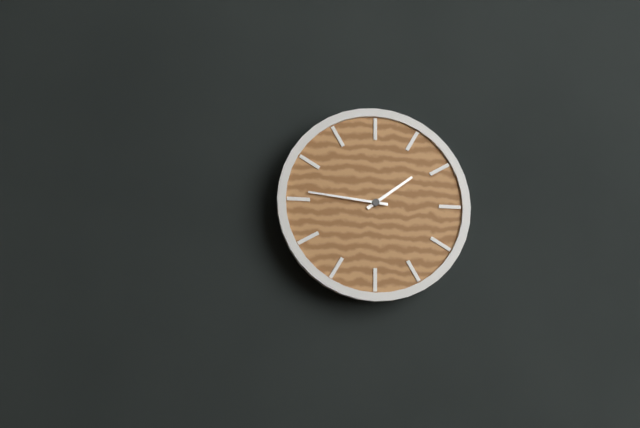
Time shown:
1.46
